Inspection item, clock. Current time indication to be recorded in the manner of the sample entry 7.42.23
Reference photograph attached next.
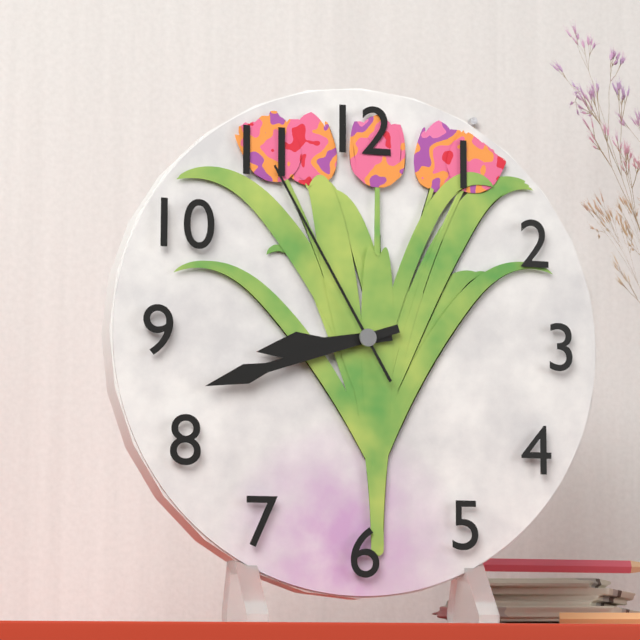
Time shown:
8.42.55
